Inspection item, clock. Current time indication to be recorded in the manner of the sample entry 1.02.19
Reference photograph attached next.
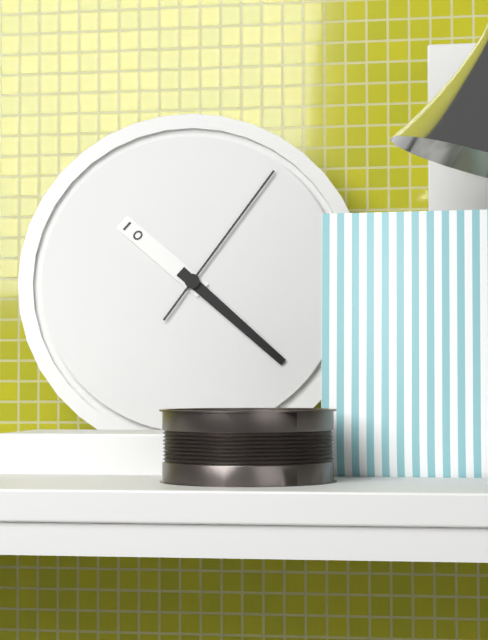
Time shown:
10.22.06
